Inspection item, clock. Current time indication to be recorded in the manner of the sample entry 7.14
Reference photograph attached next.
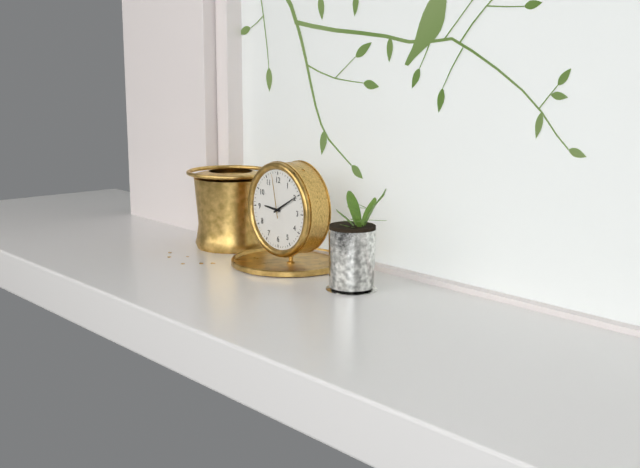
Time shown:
9.10
